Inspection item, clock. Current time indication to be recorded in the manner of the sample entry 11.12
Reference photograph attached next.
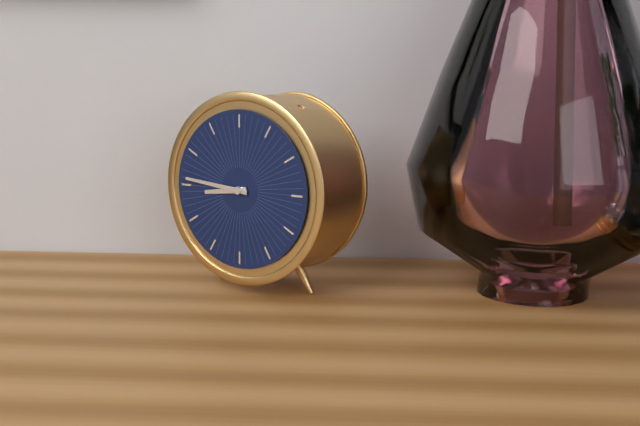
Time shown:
8.46
